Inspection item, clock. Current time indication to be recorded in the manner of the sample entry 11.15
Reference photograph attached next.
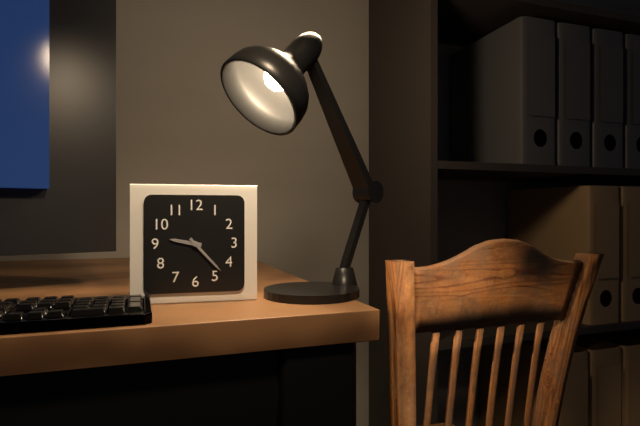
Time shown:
9.23
